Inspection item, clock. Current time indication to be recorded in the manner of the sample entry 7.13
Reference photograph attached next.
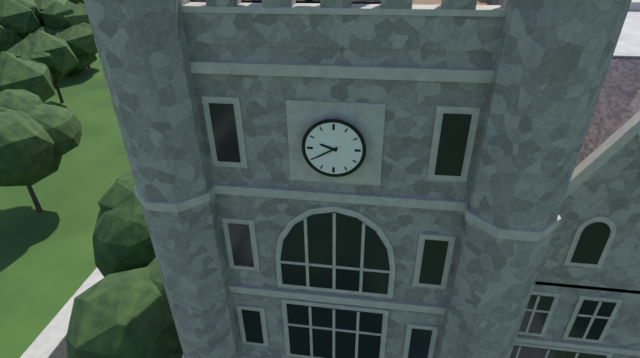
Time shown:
9.40
